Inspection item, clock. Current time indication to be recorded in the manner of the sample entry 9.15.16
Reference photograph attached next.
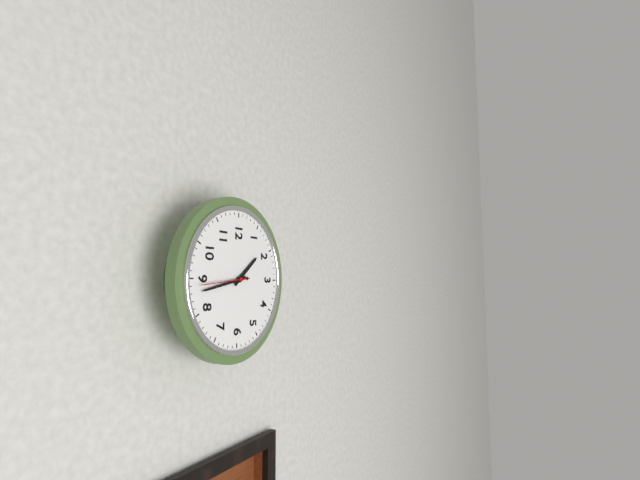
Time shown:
1.43.44
